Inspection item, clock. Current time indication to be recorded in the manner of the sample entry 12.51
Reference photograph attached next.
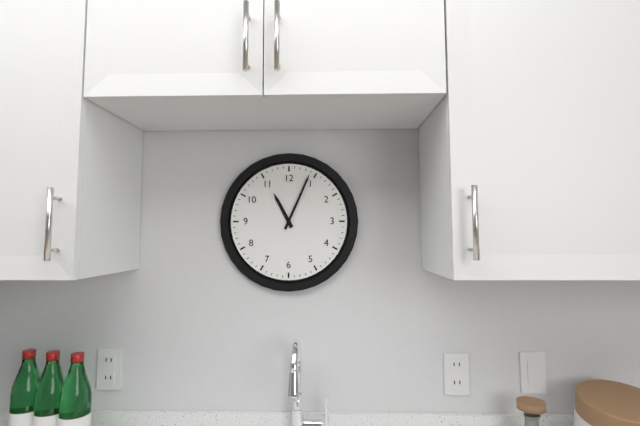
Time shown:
11.04
